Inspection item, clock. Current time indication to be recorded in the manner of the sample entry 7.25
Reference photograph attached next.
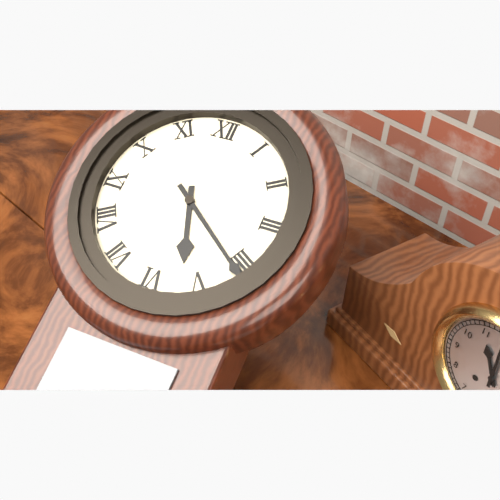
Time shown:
5.21
